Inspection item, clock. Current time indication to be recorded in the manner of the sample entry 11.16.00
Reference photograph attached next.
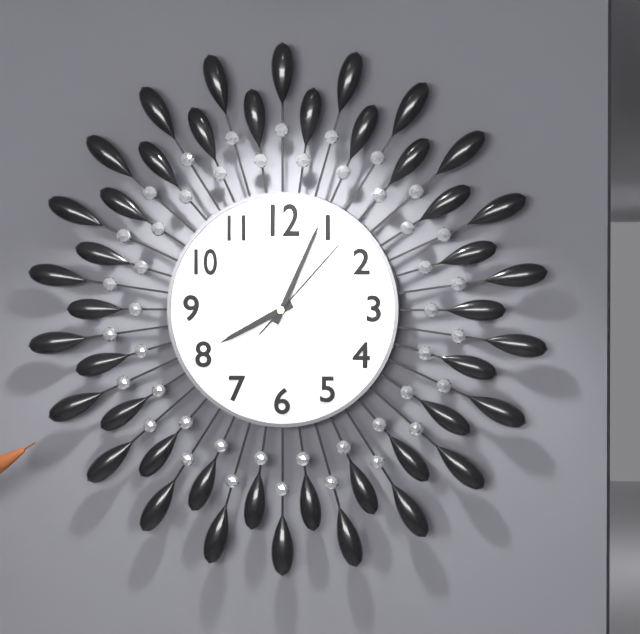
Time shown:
8.04.07
